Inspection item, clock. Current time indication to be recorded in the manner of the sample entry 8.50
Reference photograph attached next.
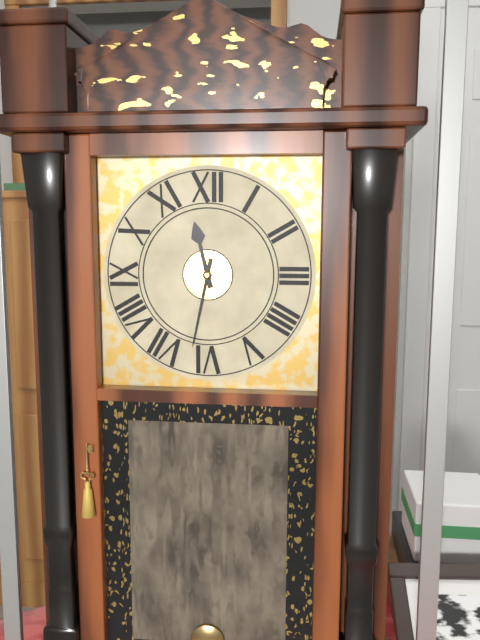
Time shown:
11.32
